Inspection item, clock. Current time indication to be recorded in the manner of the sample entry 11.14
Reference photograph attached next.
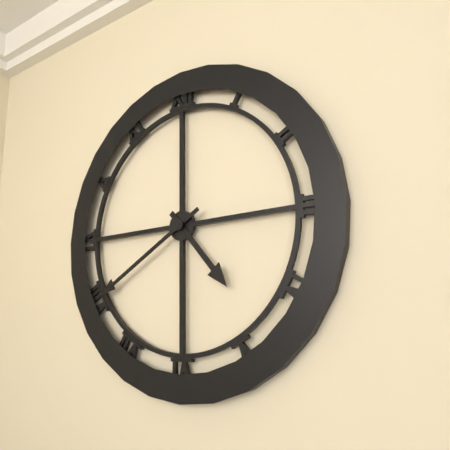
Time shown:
4.40
